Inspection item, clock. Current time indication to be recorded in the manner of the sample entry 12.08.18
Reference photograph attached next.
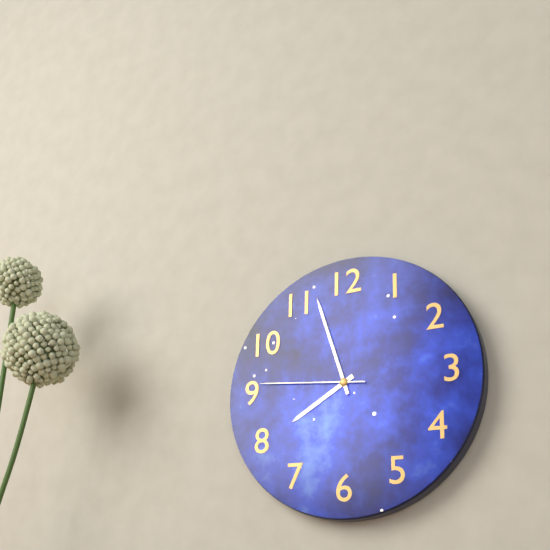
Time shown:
7.57.46
